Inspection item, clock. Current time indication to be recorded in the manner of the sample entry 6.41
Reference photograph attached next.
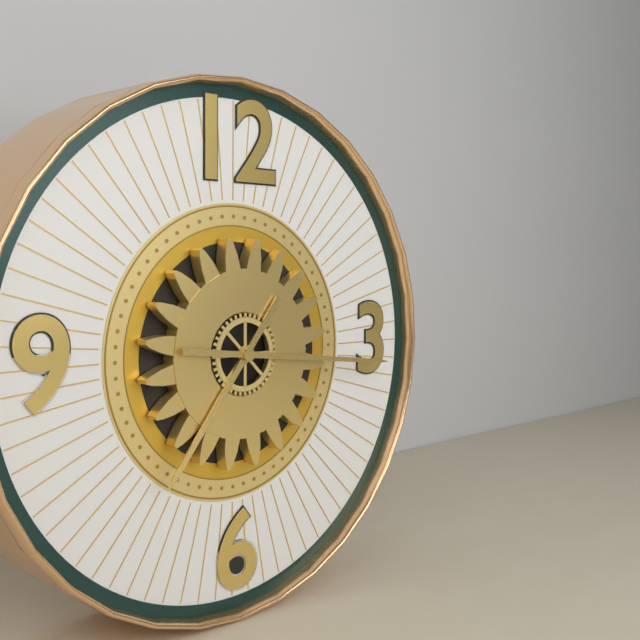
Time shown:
7.16
